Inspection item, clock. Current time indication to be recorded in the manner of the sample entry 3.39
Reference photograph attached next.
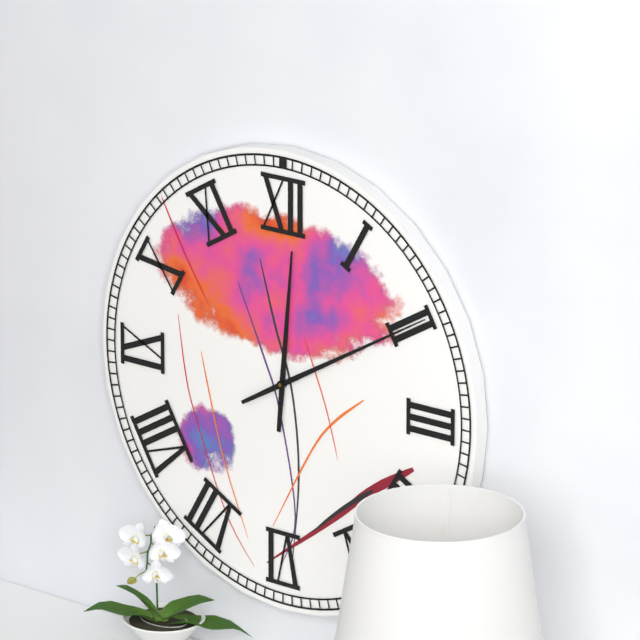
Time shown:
12.10
